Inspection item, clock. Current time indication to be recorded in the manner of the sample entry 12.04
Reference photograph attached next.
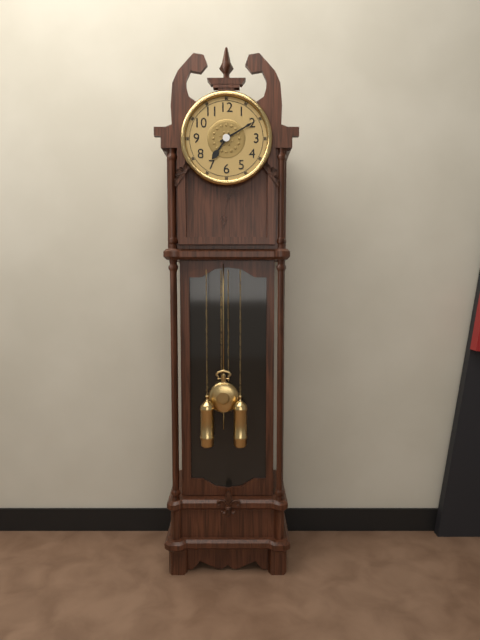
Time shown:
7.10
